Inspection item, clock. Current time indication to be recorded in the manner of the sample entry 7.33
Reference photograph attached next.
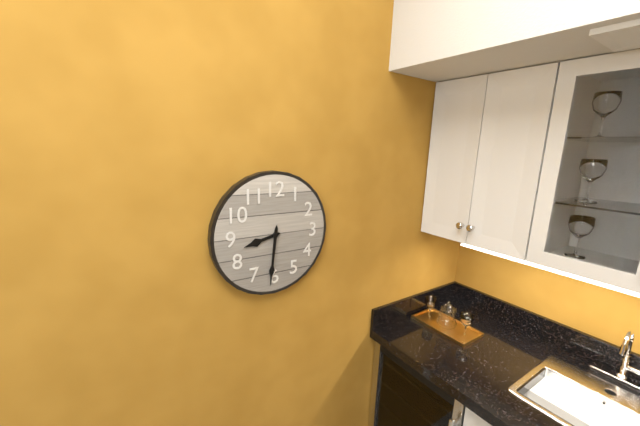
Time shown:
8.31
